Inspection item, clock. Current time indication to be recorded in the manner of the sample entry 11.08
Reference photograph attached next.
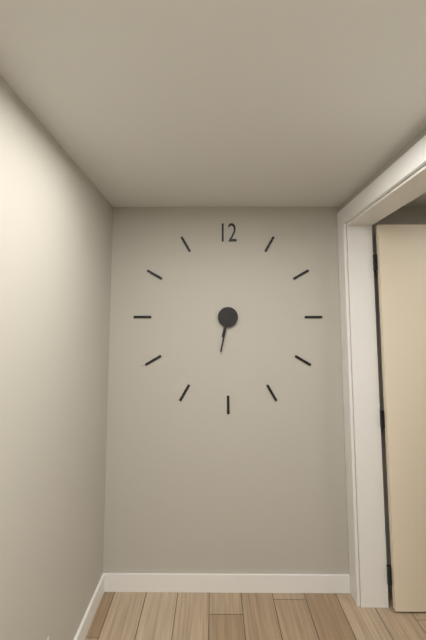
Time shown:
6.32
